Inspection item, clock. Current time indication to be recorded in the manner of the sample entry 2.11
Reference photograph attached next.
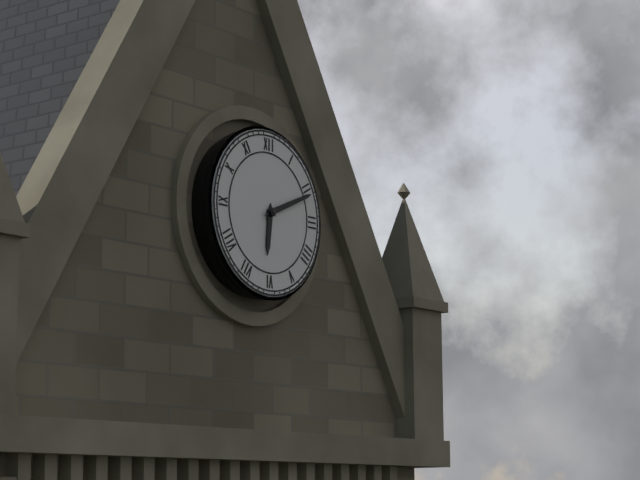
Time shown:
6.11
